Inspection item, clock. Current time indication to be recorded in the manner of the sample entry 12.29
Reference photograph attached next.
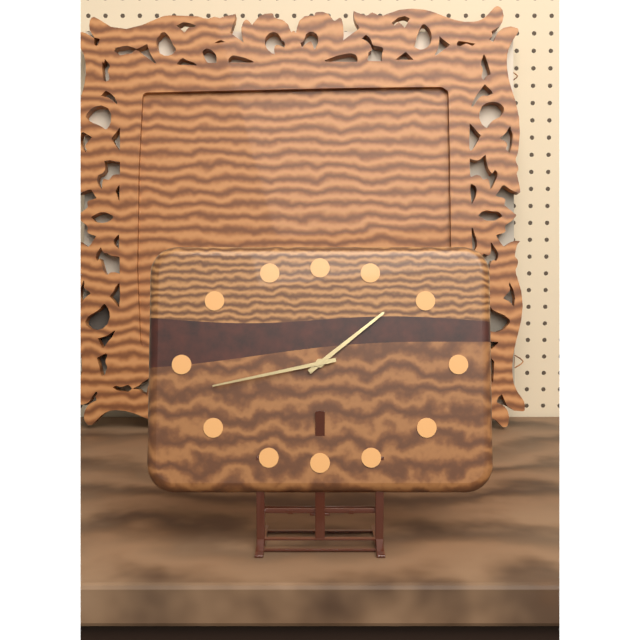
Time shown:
1.43
